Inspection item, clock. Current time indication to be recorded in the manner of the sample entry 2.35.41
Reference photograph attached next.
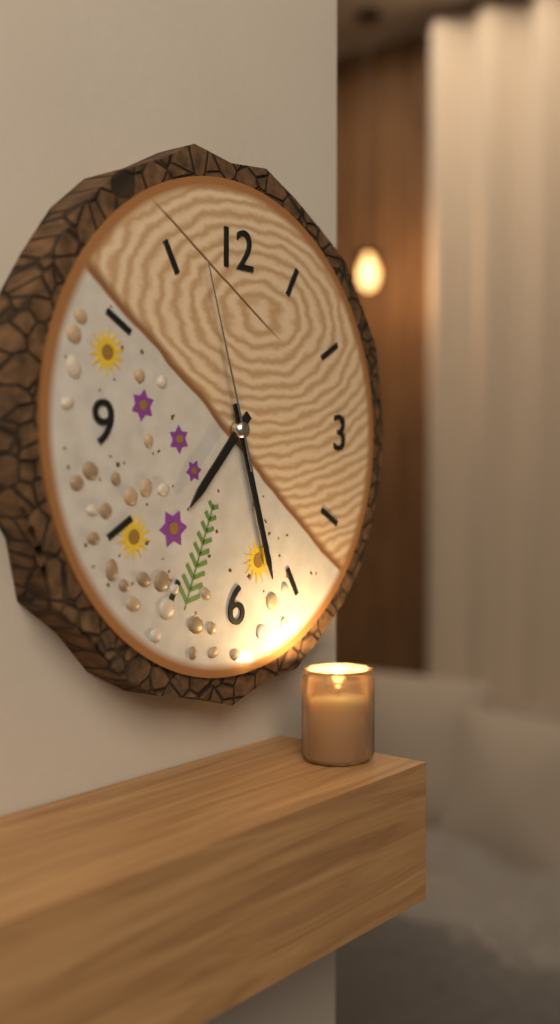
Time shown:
7.27.57
